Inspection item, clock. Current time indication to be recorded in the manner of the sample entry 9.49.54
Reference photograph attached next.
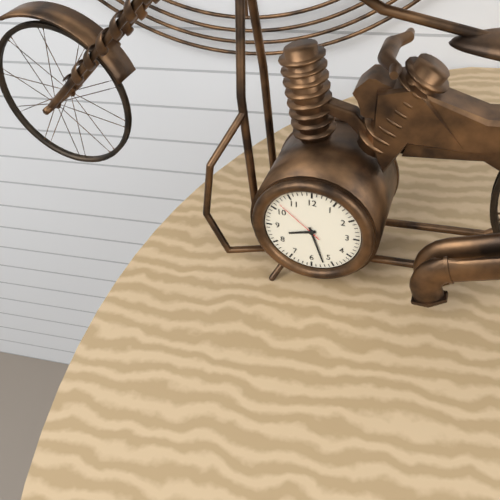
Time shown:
8.27.52
